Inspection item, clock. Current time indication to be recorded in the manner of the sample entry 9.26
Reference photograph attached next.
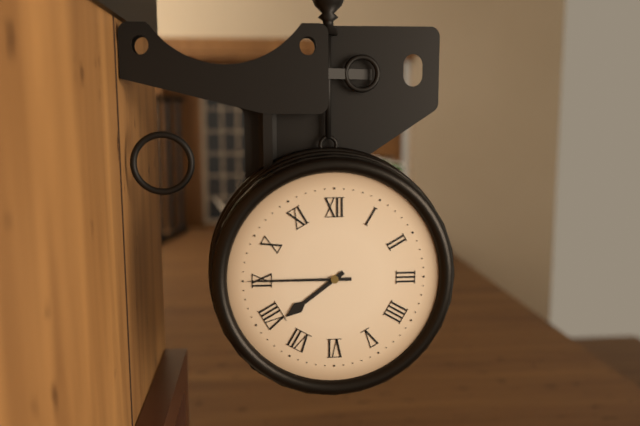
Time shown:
7.45
